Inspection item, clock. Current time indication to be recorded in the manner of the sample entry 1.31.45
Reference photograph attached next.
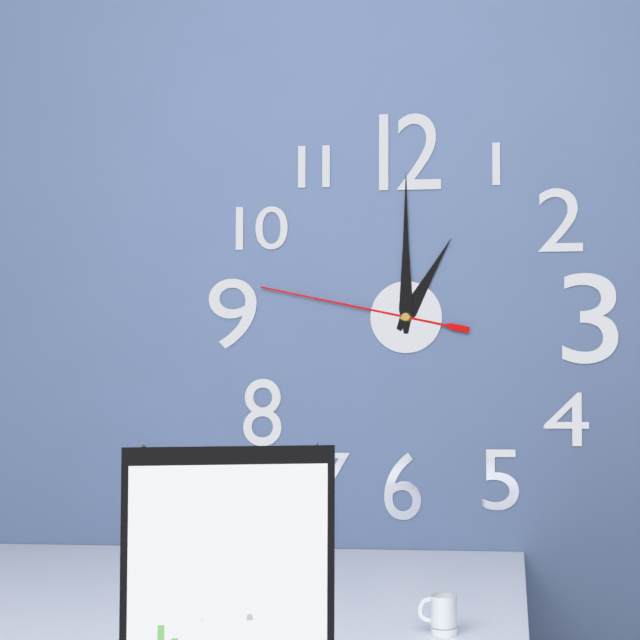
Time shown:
1.00.47
